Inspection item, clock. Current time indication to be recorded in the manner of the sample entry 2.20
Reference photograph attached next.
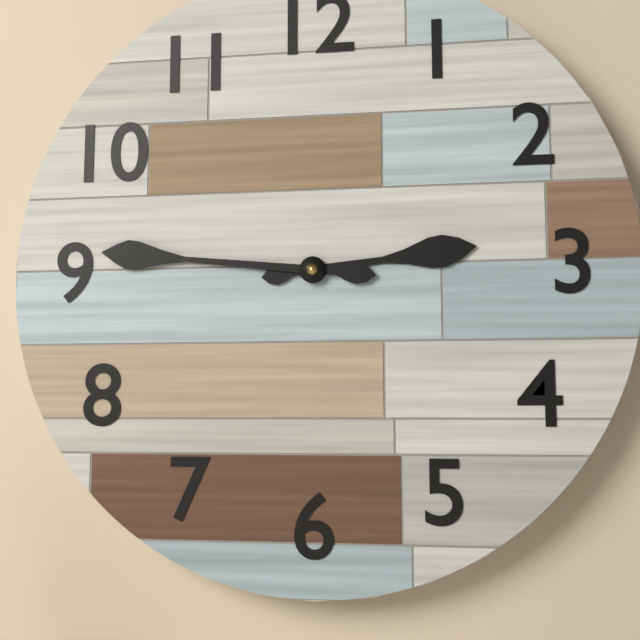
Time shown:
2.46
